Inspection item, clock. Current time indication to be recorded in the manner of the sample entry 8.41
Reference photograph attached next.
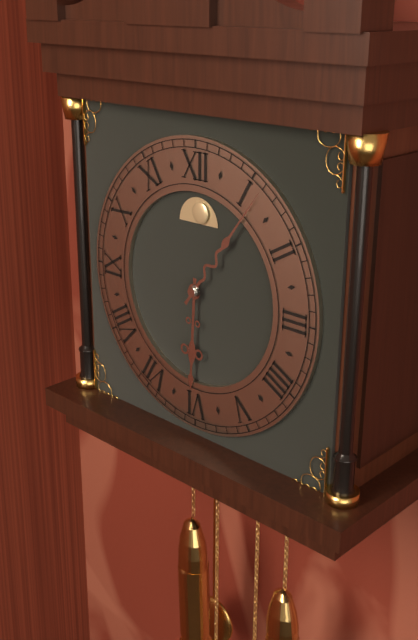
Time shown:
6.06
